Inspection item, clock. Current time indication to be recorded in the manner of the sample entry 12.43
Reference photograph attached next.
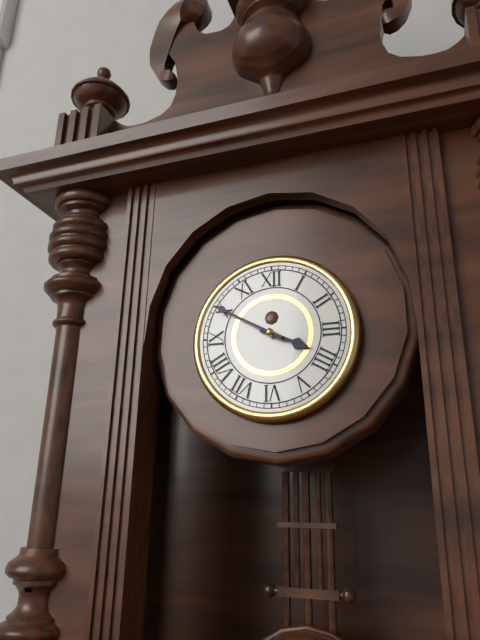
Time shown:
3.50
